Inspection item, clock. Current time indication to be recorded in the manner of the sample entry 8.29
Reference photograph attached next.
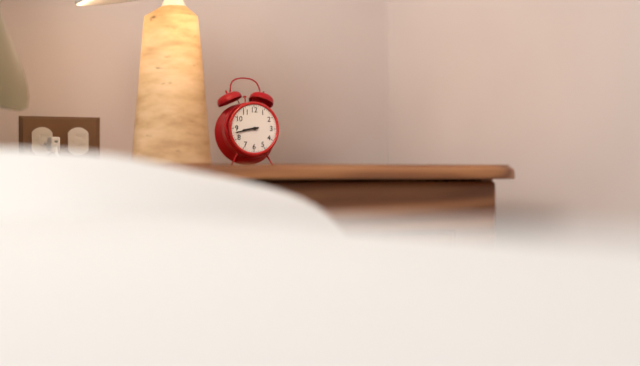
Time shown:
8.43
